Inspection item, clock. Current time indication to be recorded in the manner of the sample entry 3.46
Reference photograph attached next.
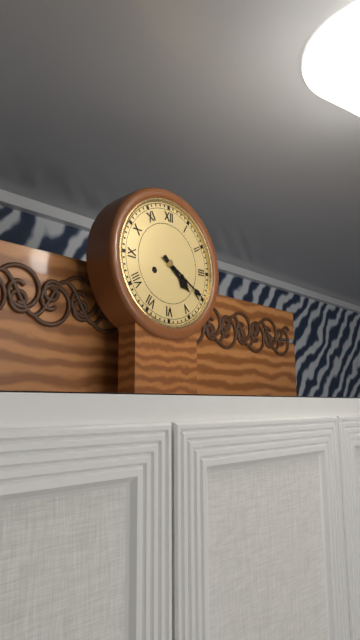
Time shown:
4.20
